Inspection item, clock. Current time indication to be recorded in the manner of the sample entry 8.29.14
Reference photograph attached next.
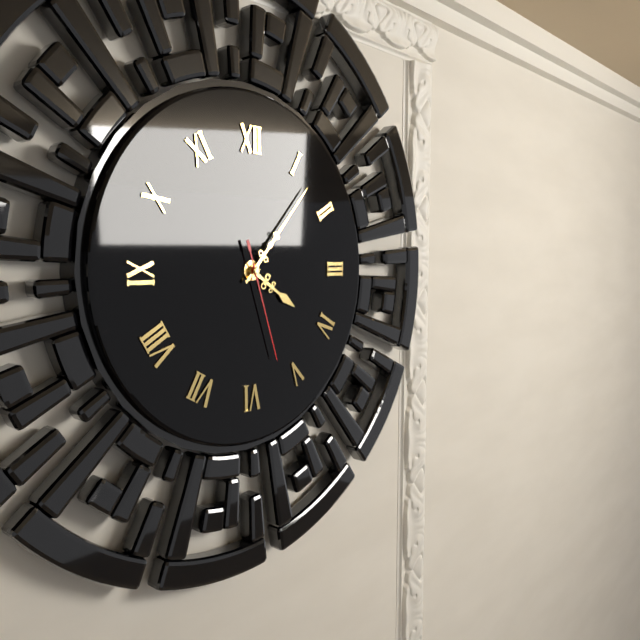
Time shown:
4.07.27
